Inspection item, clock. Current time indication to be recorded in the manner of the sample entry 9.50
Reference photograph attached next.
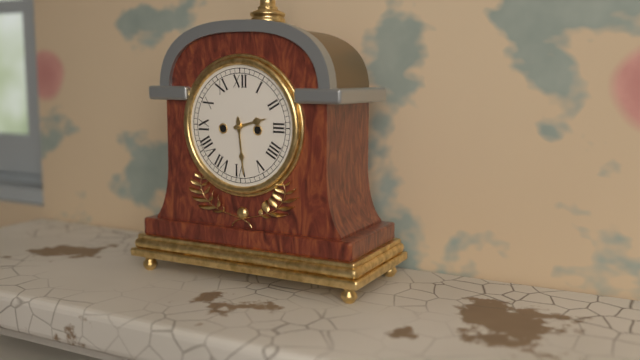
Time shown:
2.29
